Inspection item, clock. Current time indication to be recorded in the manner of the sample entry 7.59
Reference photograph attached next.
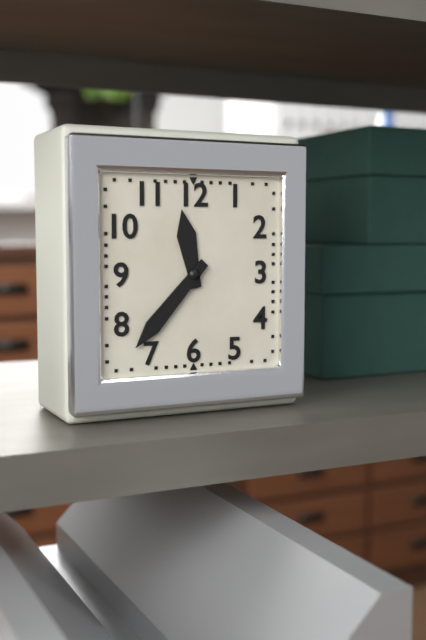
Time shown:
11.37
